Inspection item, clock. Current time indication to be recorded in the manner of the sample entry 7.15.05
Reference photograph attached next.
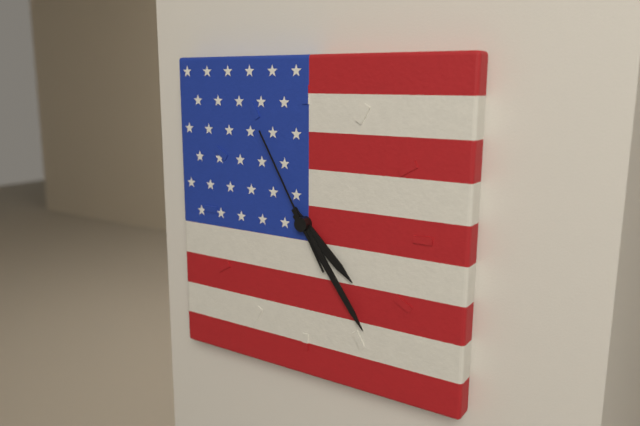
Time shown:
4.24.55
